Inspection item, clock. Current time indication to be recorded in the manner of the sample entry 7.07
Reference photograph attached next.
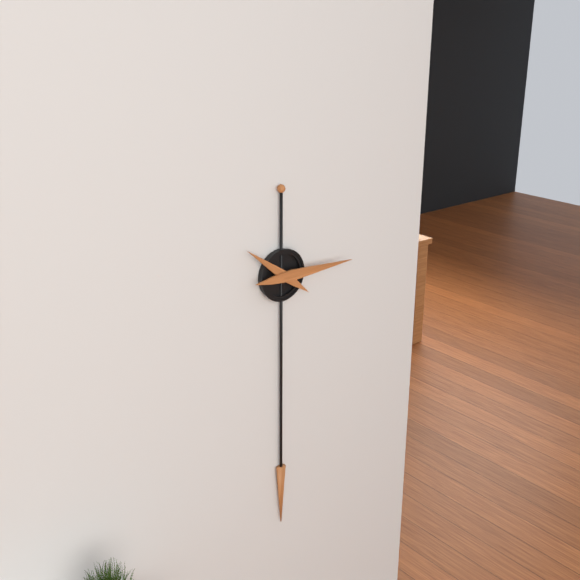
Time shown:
10.15
